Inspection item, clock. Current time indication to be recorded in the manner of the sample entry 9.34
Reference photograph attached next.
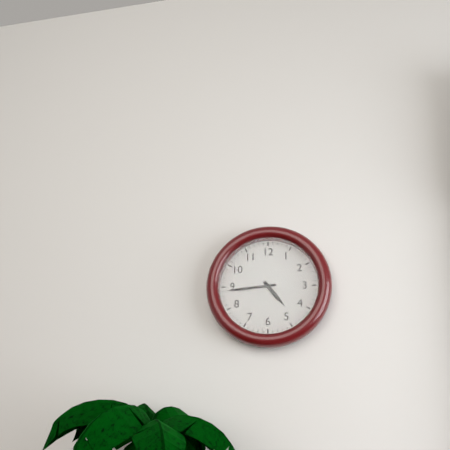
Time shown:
4.44
